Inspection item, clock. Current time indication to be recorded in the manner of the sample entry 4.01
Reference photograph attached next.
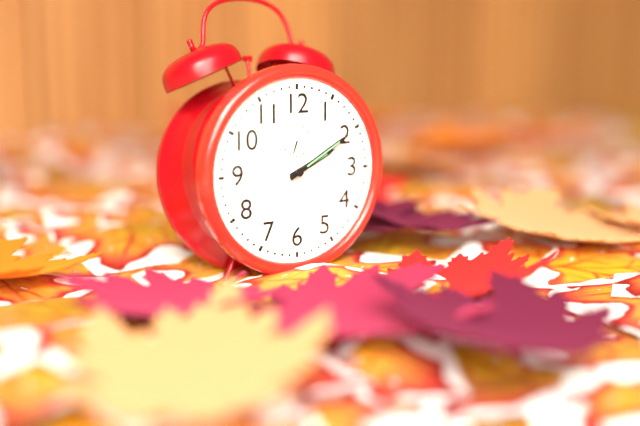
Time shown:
2.10
